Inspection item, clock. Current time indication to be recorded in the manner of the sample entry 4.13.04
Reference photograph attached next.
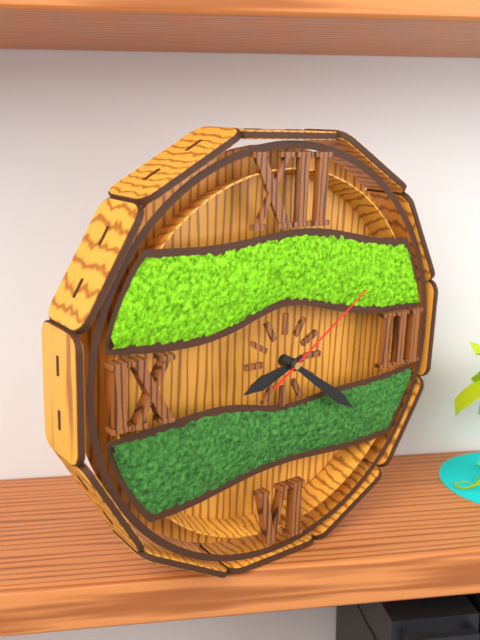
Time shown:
8.21.09
